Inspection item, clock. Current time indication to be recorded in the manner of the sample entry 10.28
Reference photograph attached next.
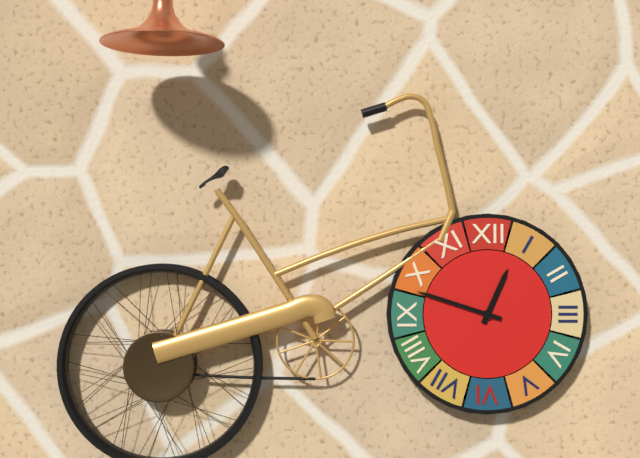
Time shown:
12.48
